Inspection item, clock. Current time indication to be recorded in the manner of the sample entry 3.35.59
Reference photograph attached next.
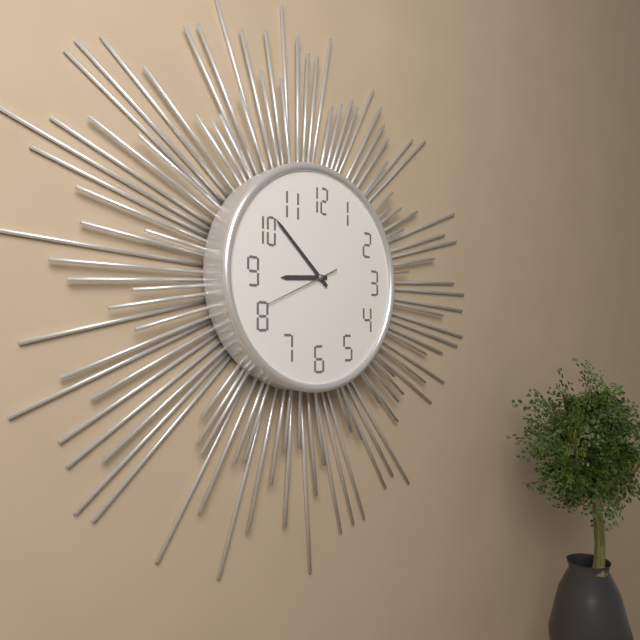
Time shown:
8.52.41
